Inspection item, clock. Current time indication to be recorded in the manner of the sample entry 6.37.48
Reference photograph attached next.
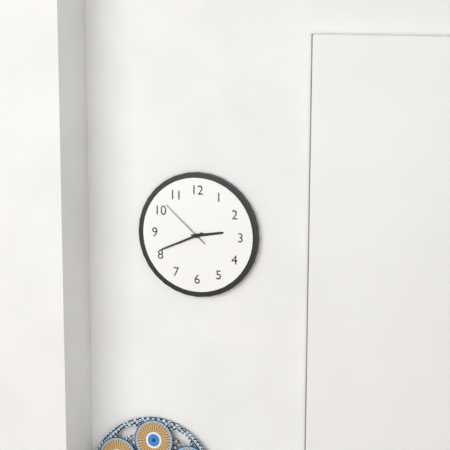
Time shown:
2.41.52
